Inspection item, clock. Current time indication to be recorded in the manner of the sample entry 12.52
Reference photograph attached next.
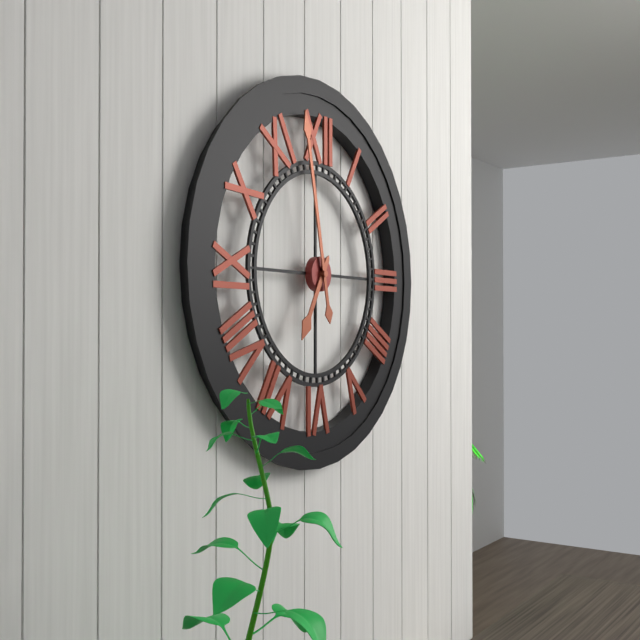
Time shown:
6.58
